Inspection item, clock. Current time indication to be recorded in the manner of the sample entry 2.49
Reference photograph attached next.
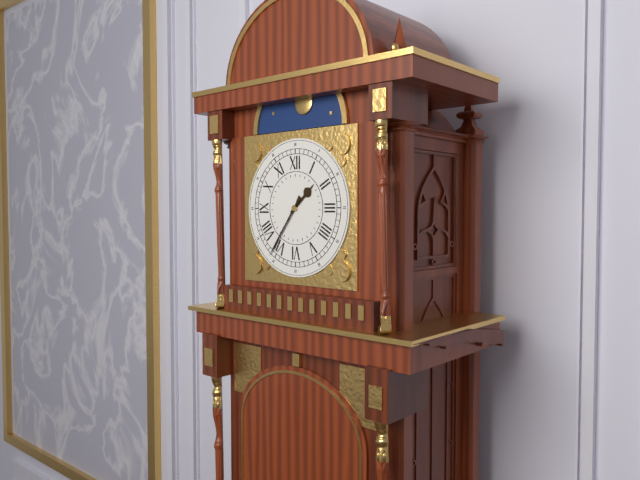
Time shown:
1.36
